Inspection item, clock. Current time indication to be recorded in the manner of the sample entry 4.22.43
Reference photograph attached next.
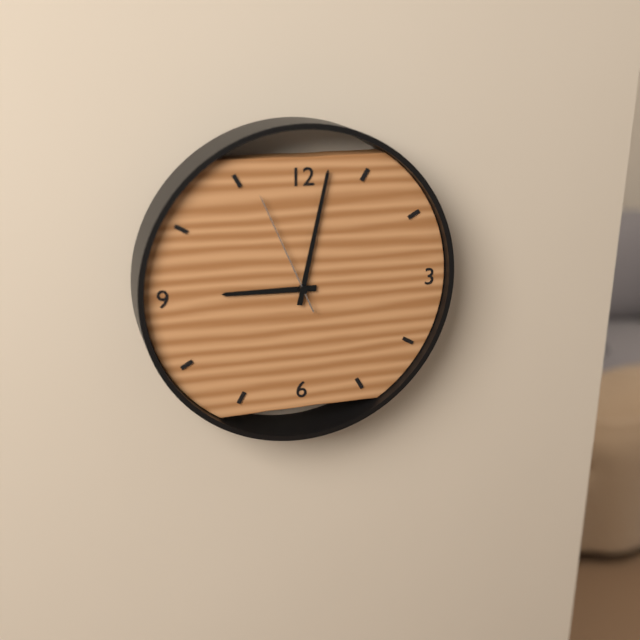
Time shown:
9.02.56
